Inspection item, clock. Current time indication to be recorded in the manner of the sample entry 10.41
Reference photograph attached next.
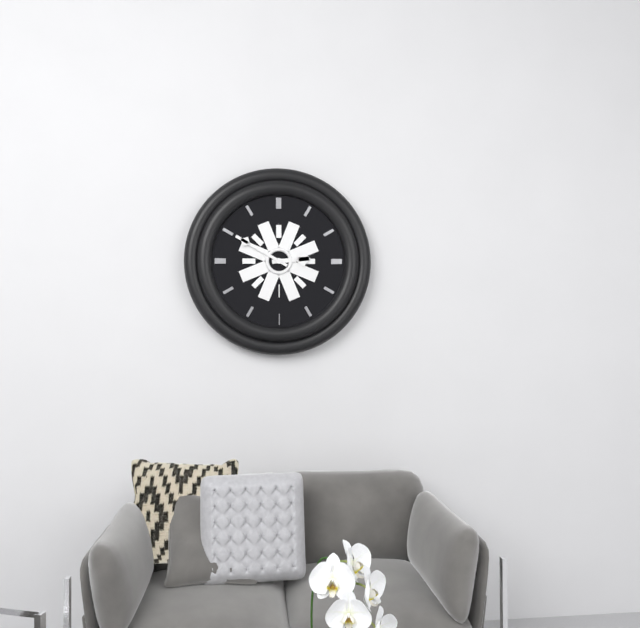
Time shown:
2.50
